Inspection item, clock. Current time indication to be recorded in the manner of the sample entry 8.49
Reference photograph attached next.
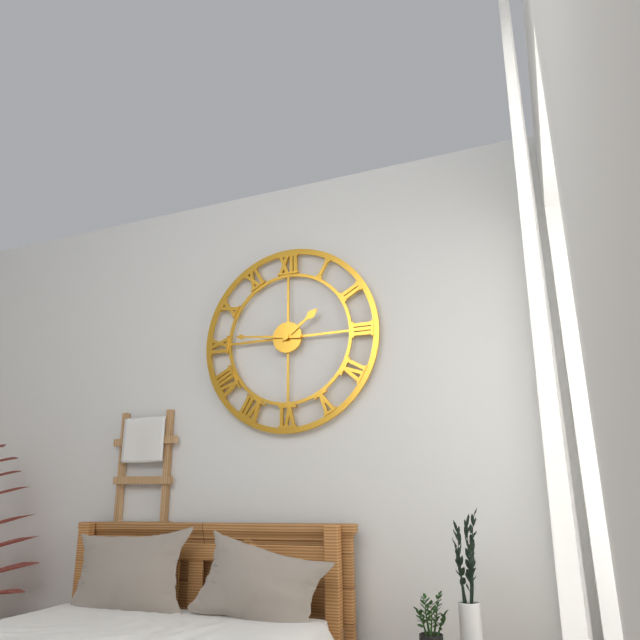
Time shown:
1.46
